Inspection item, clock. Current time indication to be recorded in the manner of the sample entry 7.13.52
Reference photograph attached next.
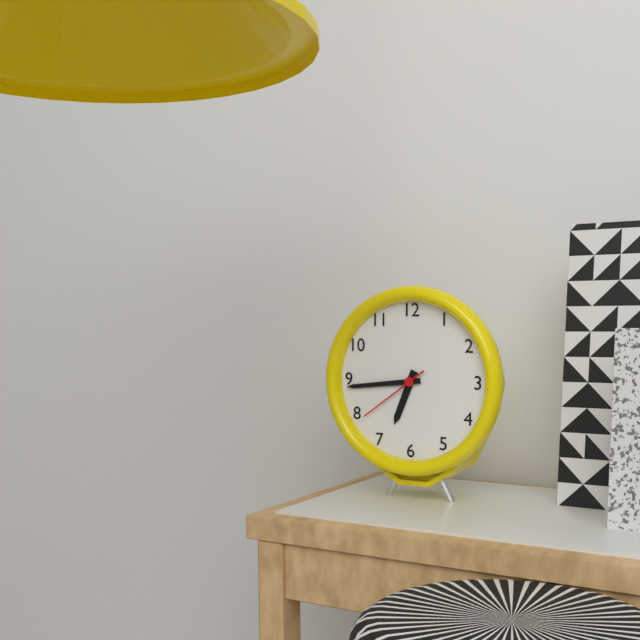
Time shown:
6.44.39
